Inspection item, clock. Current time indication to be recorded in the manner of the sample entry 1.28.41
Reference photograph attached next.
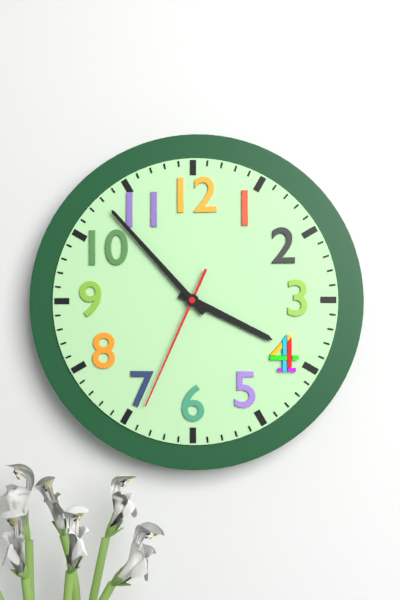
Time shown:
3.53.34
